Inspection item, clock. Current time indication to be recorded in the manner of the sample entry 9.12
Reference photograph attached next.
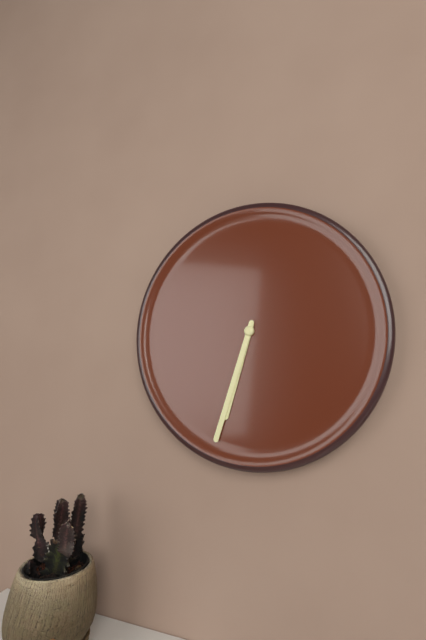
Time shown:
6.33
